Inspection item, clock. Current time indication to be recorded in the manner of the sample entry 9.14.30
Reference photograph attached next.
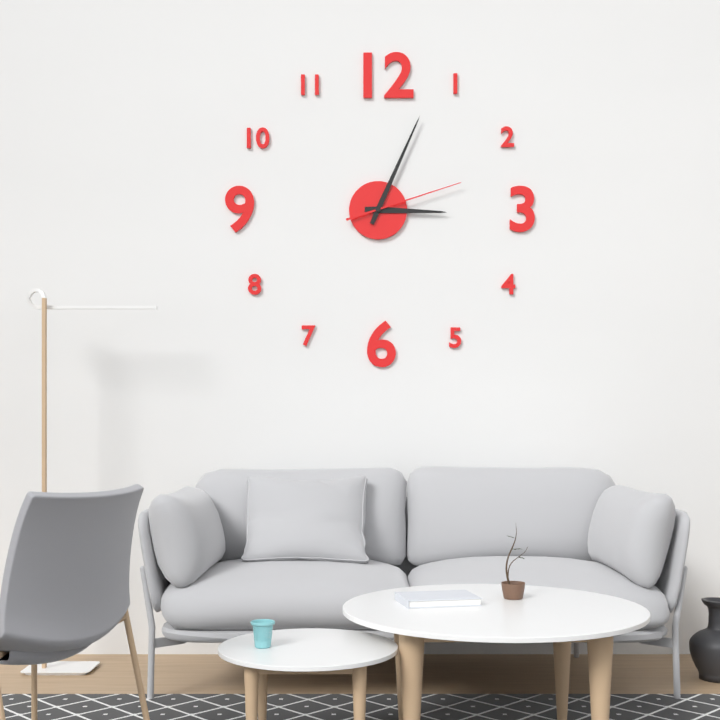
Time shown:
3.04.12
